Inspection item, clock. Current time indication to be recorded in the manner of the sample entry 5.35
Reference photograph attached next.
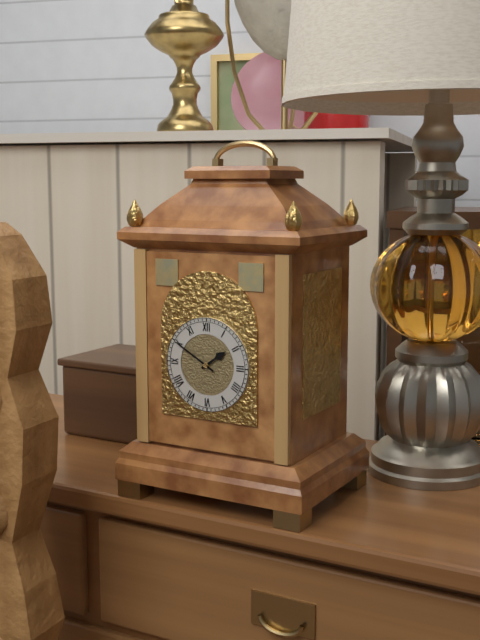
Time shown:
1.50
